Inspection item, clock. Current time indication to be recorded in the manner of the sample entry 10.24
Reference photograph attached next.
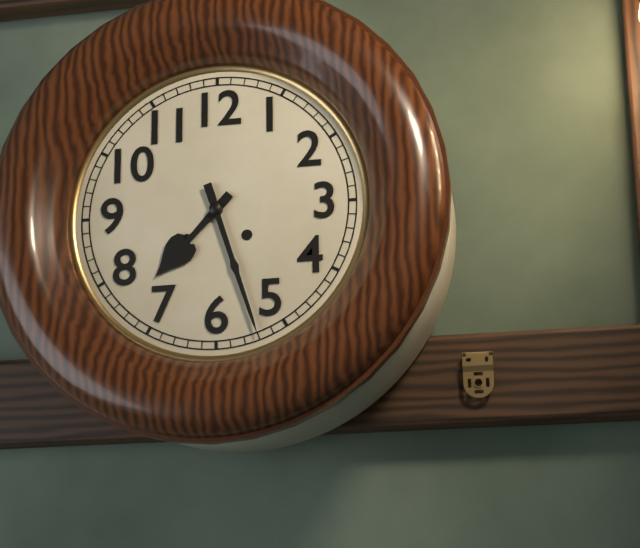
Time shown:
7.27
